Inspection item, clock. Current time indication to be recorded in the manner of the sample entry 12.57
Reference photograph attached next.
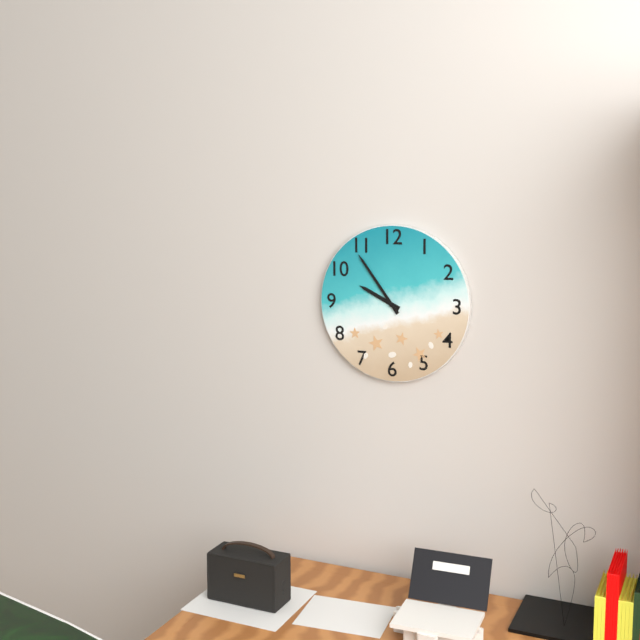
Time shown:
9.54
